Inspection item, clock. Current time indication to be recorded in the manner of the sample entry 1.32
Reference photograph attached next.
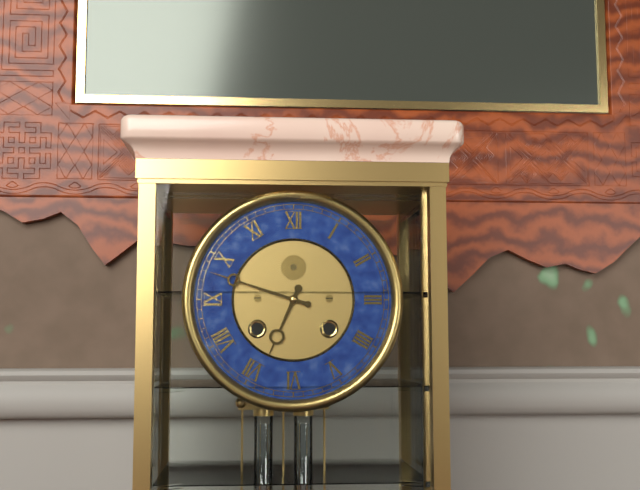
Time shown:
6.48
